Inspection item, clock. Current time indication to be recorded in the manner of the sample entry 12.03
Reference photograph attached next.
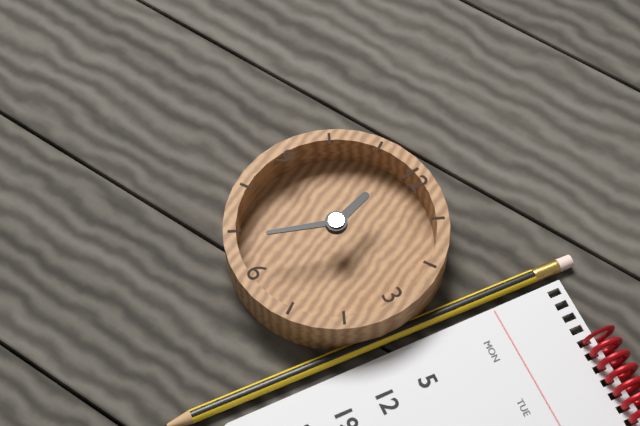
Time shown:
11.34
